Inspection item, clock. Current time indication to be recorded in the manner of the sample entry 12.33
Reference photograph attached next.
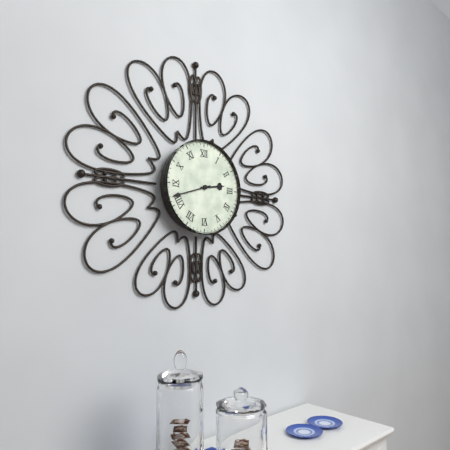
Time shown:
2.42
